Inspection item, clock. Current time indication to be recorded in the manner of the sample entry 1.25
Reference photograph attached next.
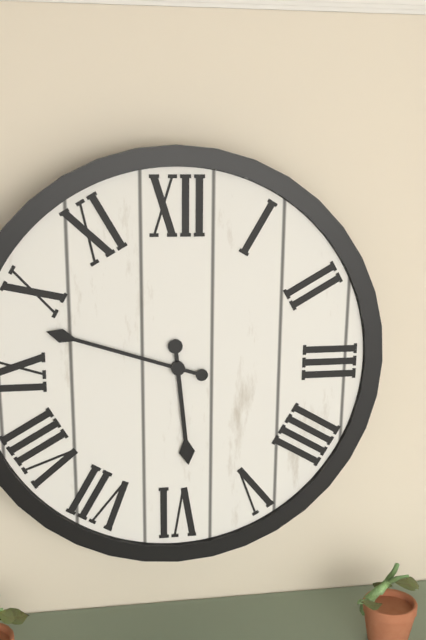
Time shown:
5.48
